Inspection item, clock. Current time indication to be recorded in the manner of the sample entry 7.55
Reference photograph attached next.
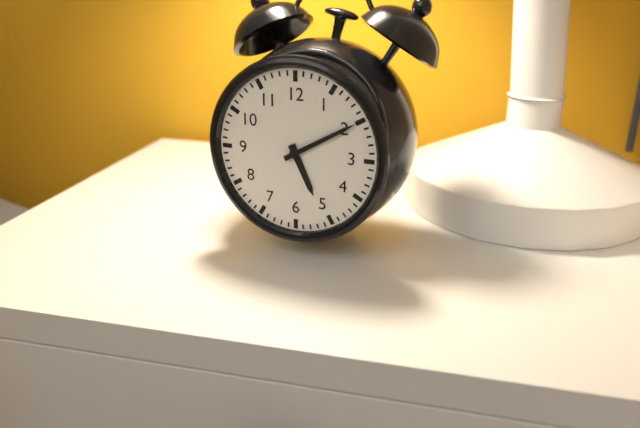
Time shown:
5.10
